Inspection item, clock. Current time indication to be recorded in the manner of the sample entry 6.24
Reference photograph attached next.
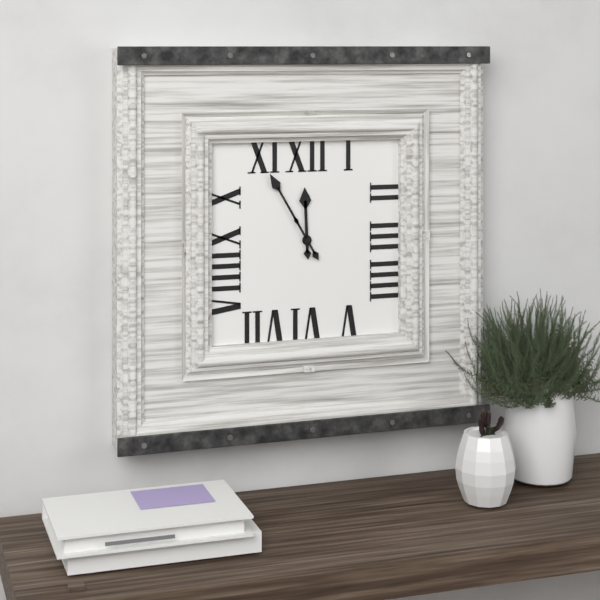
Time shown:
11.55
